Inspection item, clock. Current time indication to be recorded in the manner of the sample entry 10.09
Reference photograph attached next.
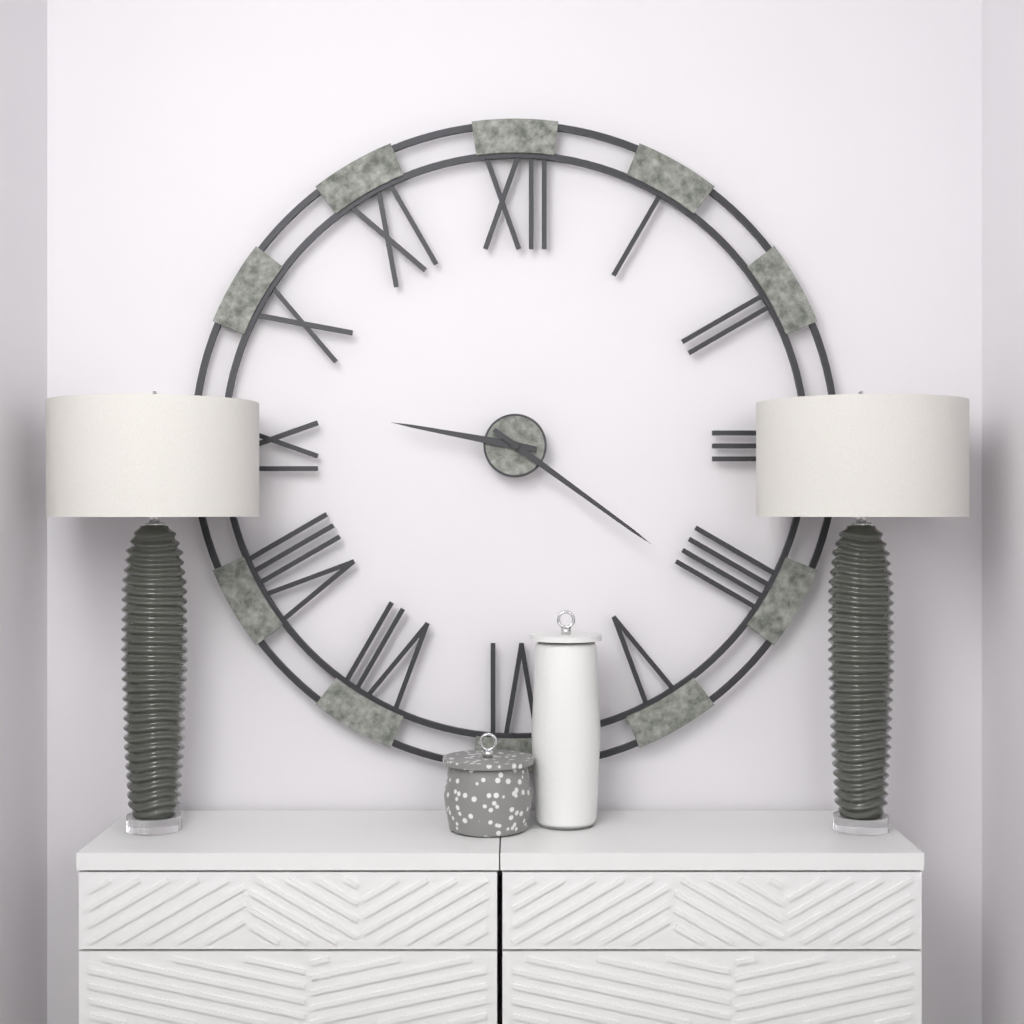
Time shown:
9.21
